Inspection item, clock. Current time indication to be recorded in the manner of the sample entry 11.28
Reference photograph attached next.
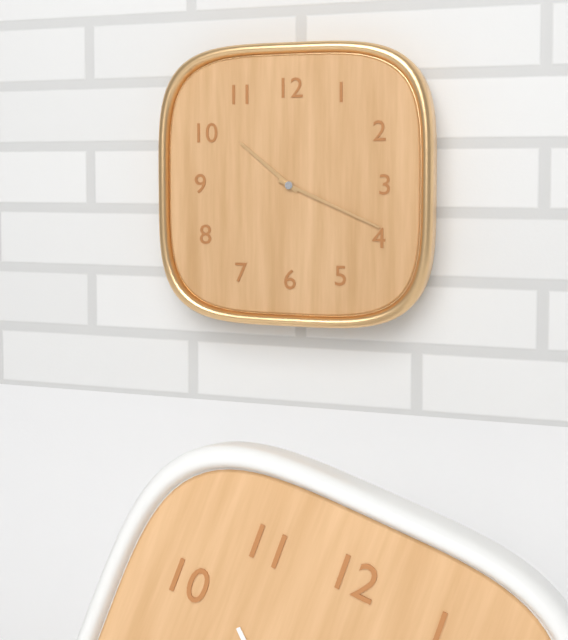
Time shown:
10.19
